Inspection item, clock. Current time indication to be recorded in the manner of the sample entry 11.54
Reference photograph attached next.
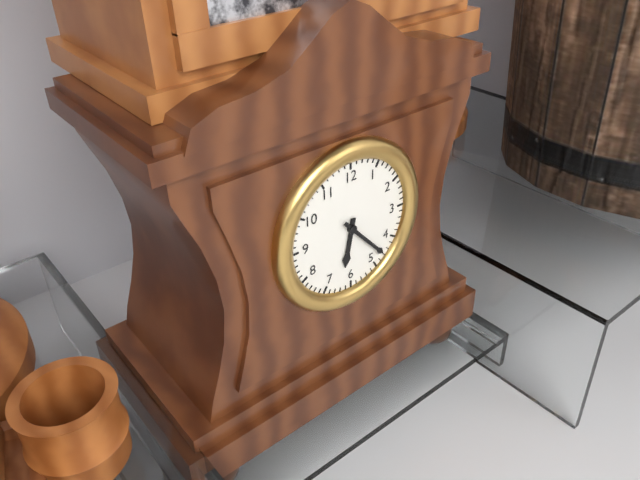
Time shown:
6.23
